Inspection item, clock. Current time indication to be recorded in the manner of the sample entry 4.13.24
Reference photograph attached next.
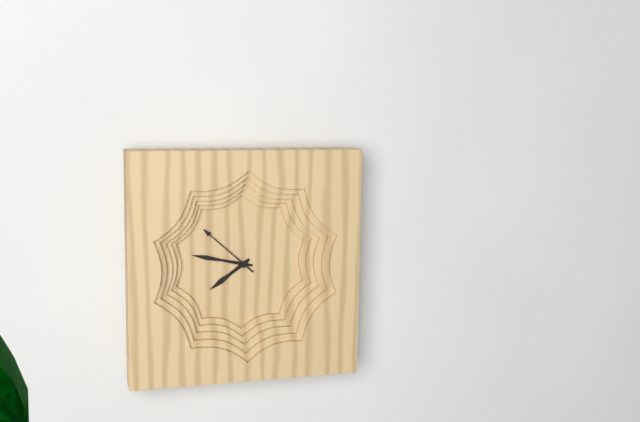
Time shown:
7.47.52
